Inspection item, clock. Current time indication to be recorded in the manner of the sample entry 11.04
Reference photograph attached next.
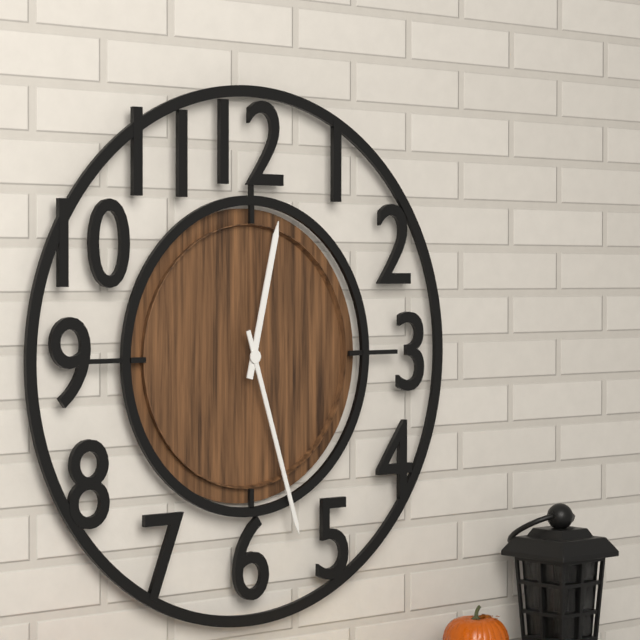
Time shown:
12.27
